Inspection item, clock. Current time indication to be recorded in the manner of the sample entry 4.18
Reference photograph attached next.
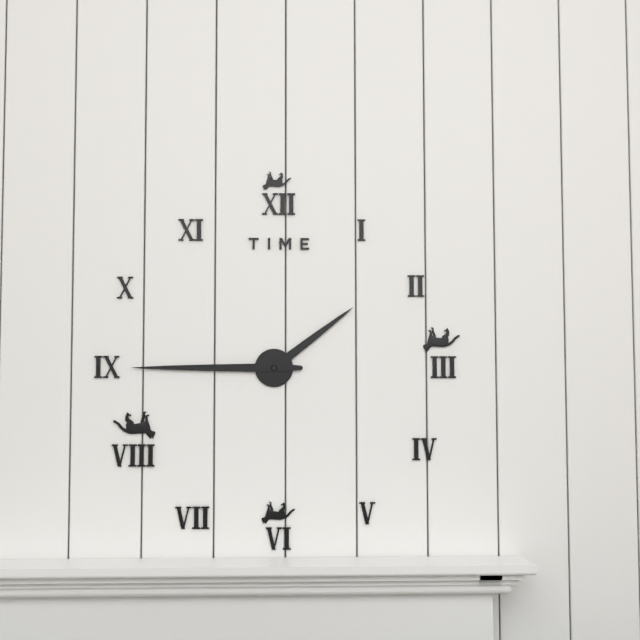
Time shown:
1.45
